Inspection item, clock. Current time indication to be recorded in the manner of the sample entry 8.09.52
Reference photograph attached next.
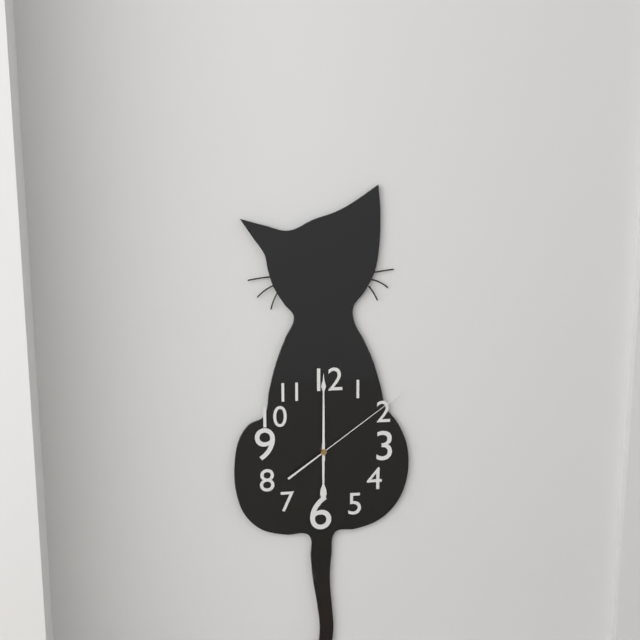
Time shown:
6.00.09
